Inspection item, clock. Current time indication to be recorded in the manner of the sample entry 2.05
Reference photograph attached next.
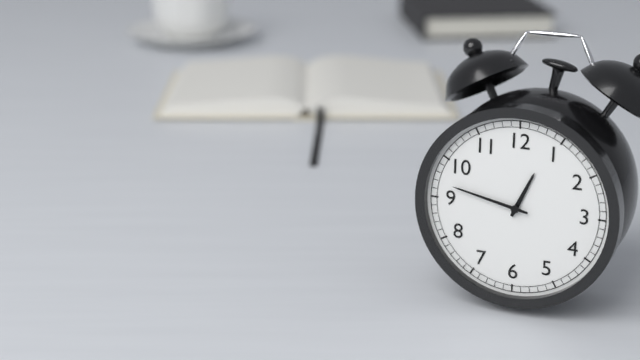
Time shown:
12.47
